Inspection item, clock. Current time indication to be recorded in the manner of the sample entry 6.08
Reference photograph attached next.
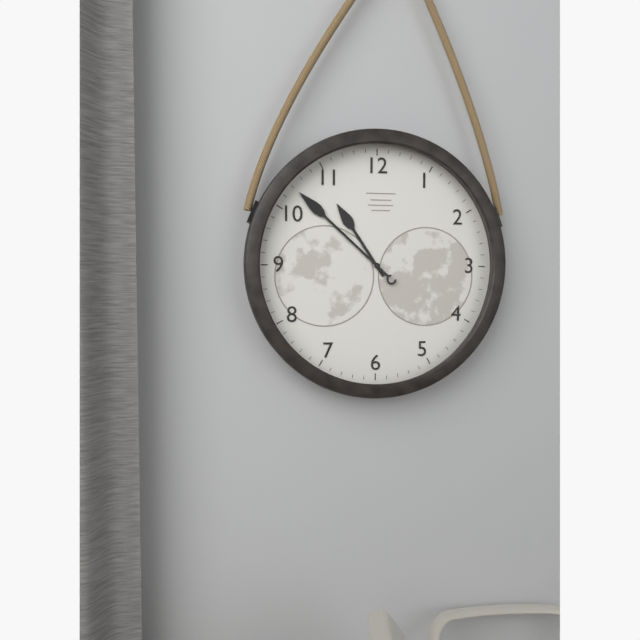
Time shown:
10.52
